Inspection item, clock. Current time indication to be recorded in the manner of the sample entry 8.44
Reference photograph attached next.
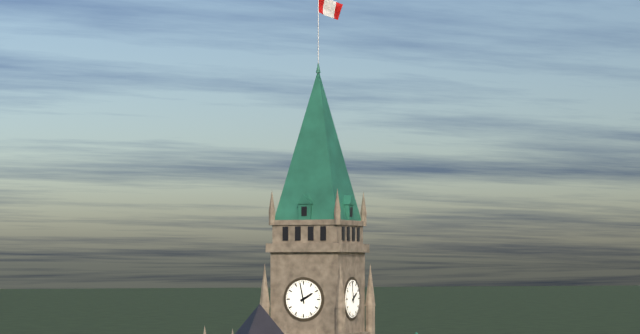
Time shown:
1.58
